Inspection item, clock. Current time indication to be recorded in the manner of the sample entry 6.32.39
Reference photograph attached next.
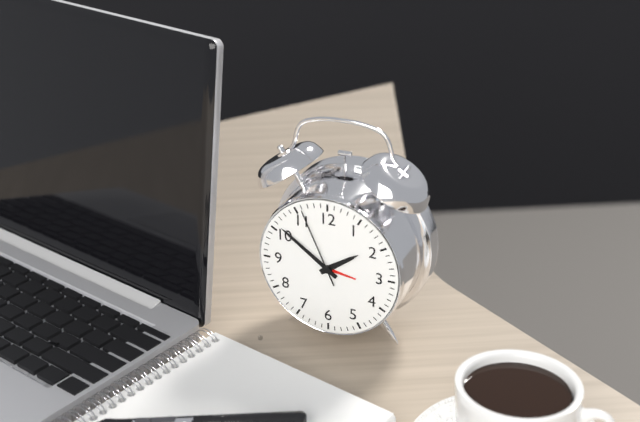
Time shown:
1.51.56
